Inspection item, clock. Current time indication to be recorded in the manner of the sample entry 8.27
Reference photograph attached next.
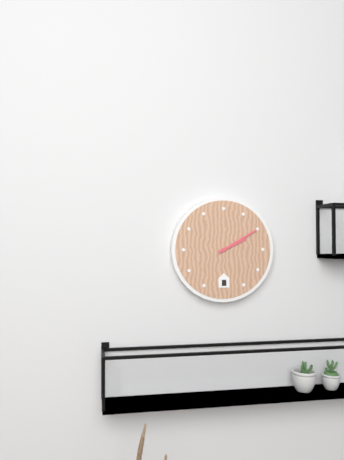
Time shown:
2.10
